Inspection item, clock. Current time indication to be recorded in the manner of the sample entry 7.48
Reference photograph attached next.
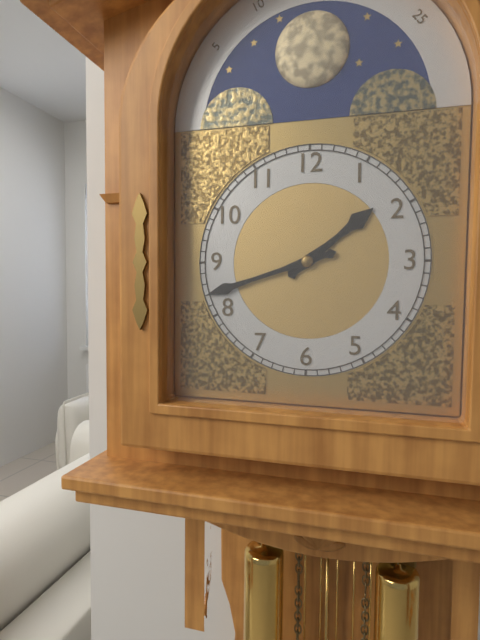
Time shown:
1.42
